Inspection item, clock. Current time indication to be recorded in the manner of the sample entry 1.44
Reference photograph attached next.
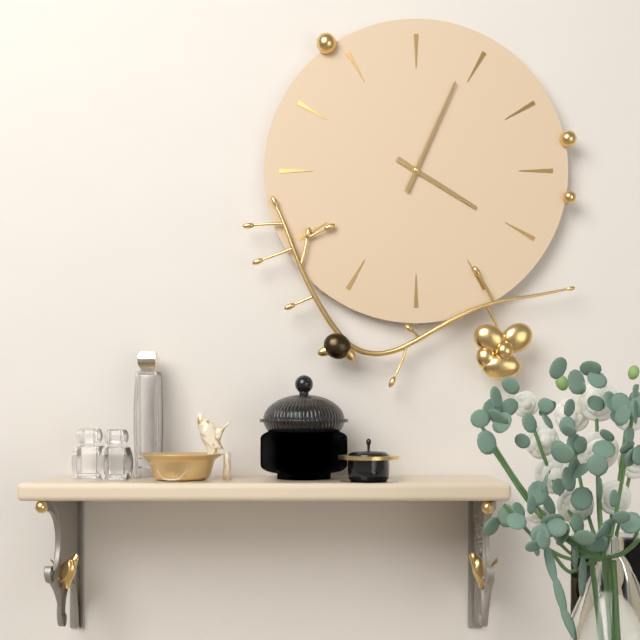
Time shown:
4.04
